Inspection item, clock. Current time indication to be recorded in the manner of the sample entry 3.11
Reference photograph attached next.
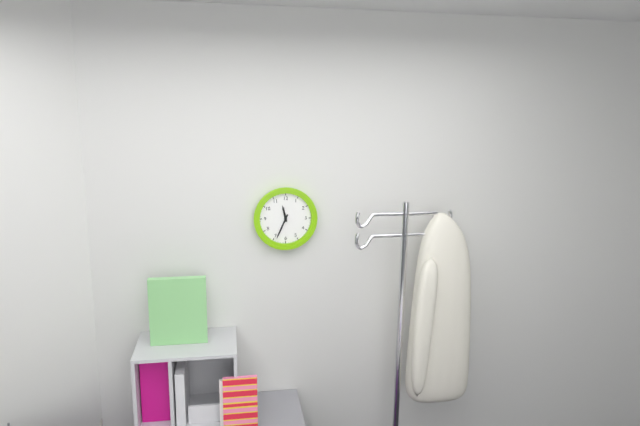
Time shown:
11.34
